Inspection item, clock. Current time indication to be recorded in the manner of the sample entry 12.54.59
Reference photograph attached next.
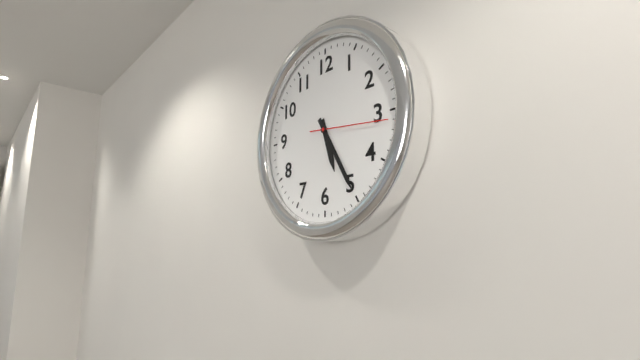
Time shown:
5.25.16
